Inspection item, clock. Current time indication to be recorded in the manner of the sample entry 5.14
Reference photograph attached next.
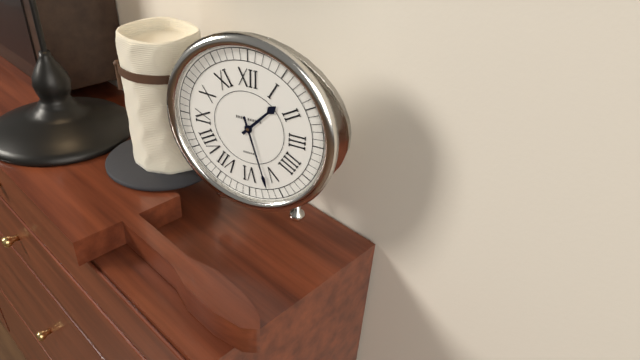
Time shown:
1.27
